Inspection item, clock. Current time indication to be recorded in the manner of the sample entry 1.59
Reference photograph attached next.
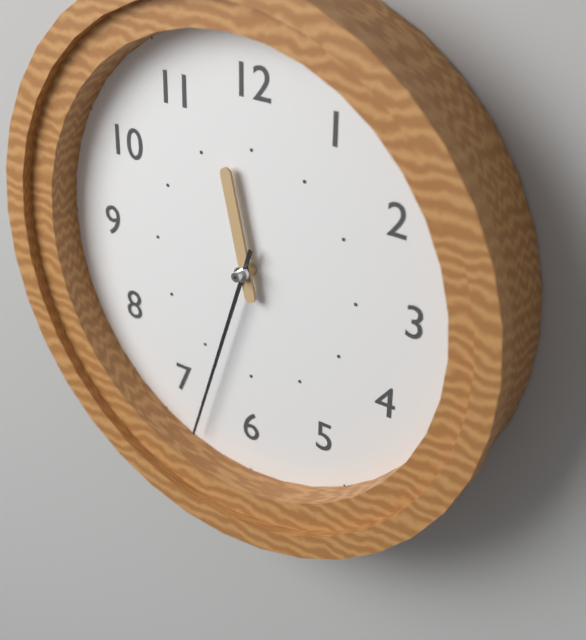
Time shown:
11.33
